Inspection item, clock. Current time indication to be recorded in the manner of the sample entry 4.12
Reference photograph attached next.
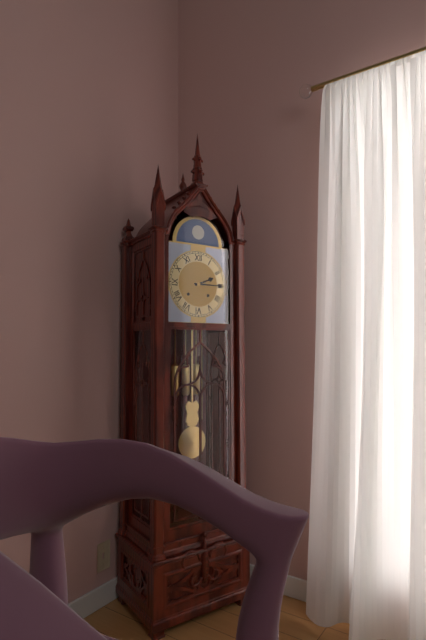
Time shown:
2.15
